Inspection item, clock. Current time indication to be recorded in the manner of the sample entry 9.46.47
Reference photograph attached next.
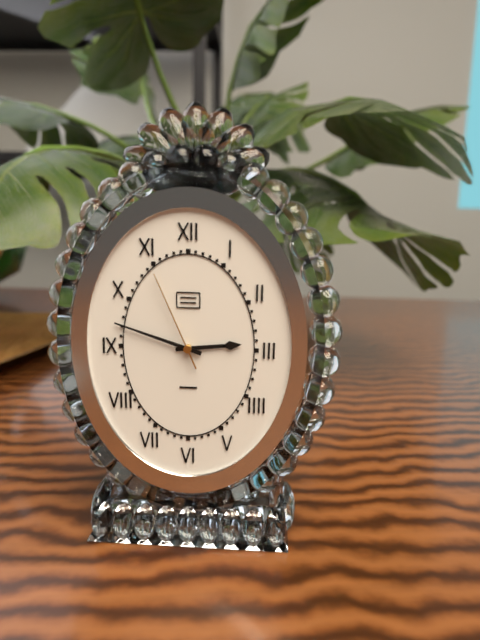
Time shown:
2.48.56
